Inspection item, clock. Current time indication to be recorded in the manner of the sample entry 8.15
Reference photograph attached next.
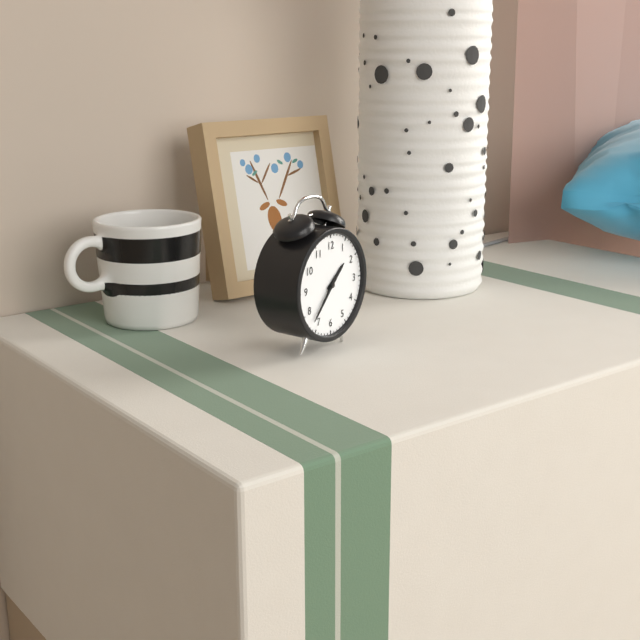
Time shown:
1.37
